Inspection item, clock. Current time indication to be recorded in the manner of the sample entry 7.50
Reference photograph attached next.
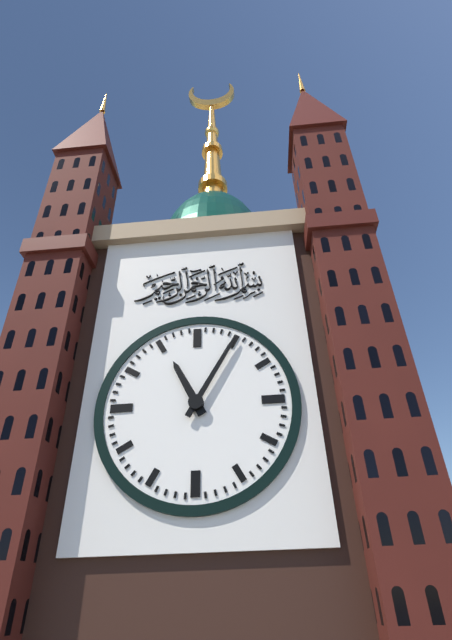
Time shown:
11.05
